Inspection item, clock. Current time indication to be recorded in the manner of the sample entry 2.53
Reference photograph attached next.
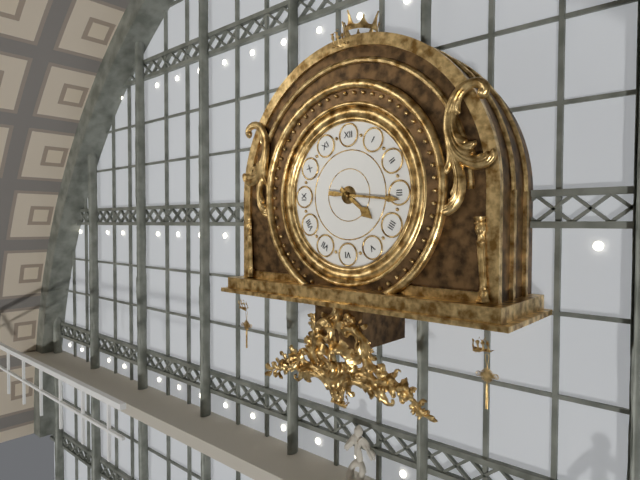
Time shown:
4.16
